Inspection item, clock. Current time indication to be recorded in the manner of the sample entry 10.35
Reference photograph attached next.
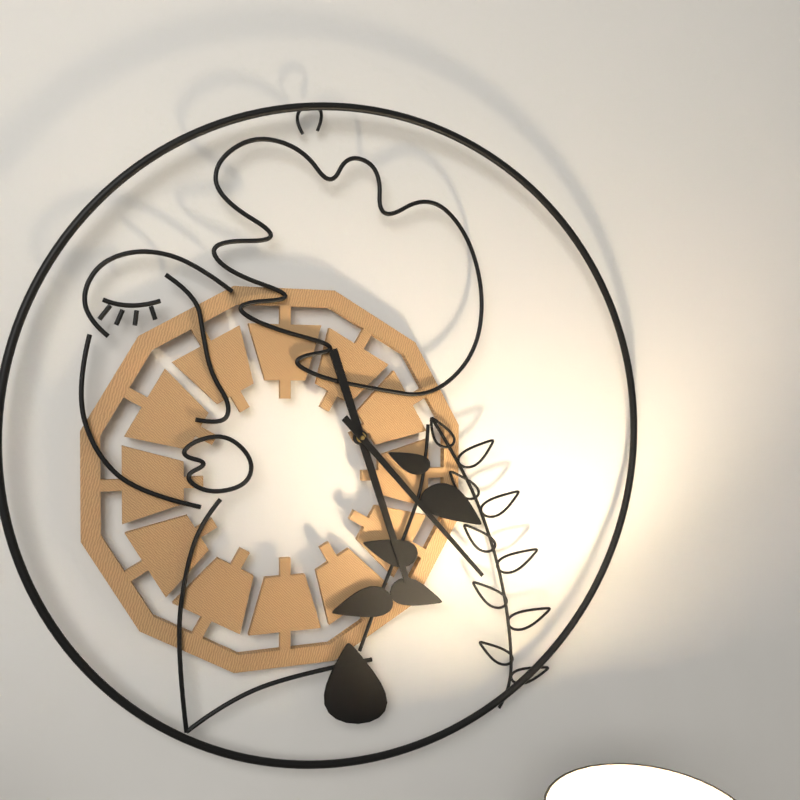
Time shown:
5.23
